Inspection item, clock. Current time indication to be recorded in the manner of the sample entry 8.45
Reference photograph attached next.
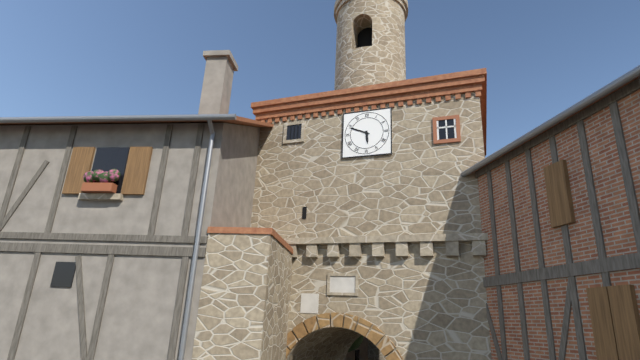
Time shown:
5.49
